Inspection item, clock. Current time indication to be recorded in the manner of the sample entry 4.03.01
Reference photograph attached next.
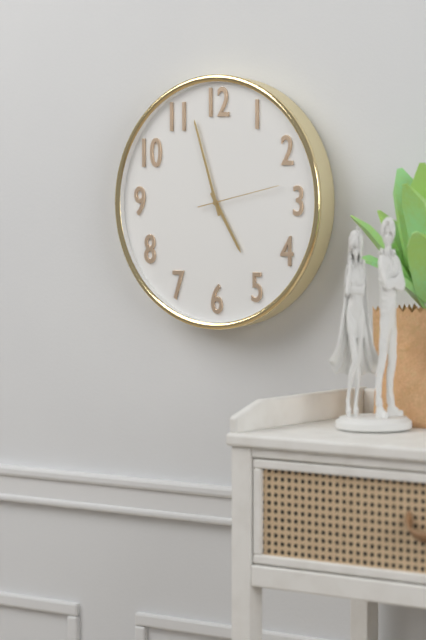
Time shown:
4.57.13
